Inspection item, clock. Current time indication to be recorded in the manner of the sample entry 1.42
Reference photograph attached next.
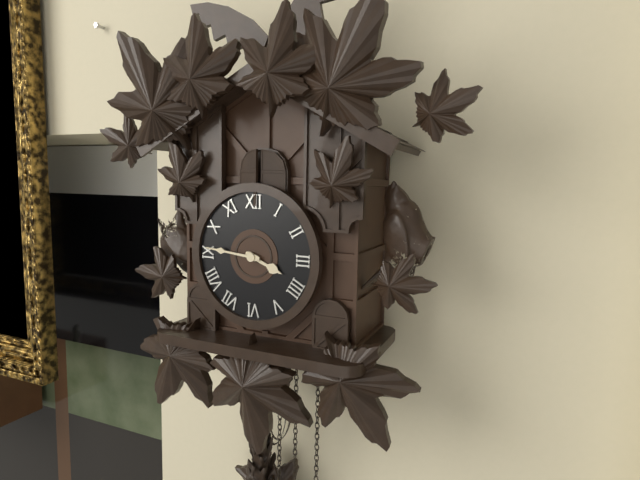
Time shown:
3.46
